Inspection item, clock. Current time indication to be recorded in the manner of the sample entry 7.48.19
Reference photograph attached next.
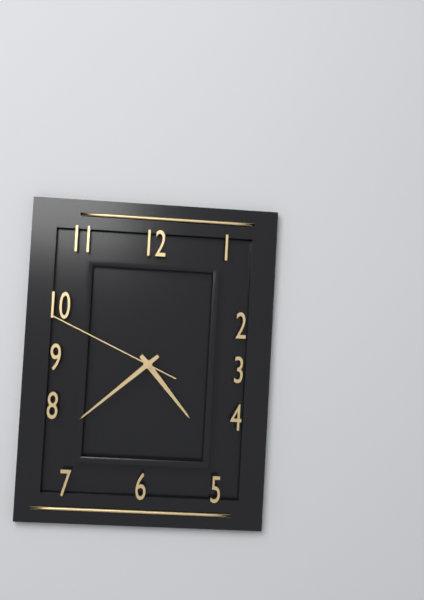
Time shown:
4.38.49
